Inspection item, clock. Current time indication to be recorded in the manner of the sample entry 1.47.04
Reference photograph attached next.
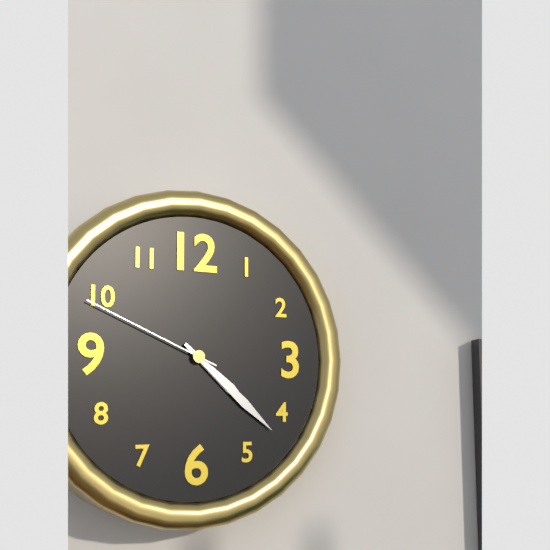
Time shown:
4.22.49
